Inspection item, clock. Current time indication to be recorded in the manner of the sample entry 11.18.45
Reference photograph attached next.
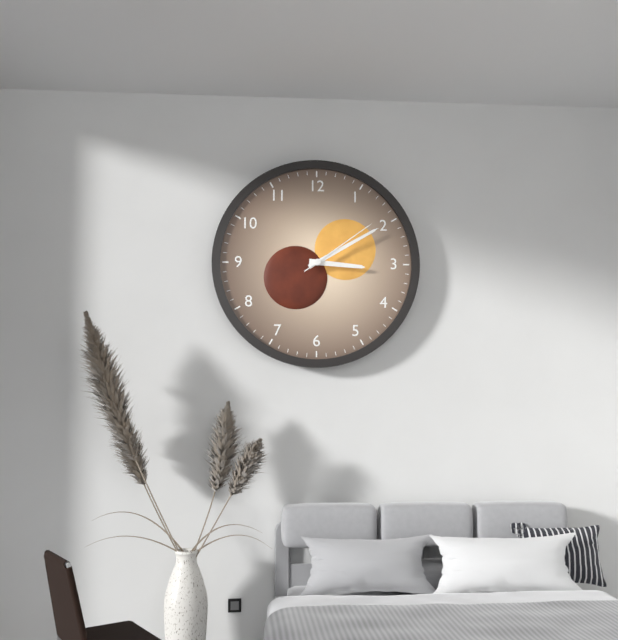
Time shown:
3.10.09
